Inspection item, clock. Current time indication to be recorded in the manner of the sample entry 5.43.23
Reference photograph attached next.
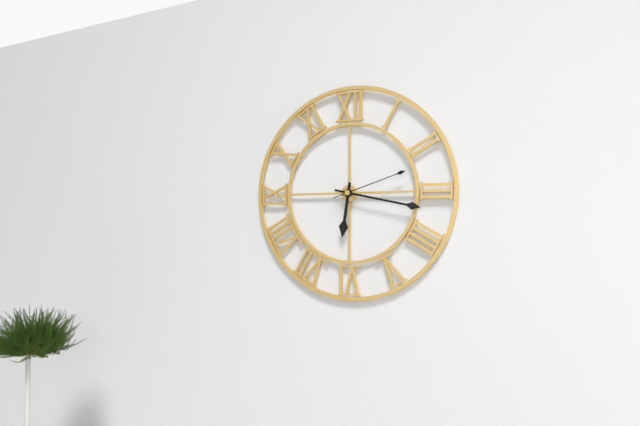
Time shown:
6.17.12
